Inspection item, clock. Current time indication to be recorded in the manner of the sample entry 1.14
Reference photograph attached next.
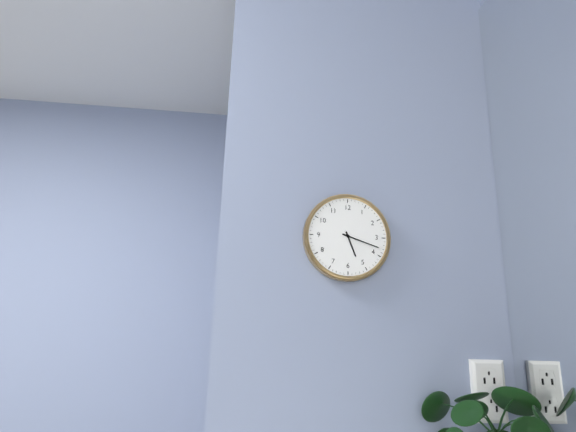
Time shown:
5.18
